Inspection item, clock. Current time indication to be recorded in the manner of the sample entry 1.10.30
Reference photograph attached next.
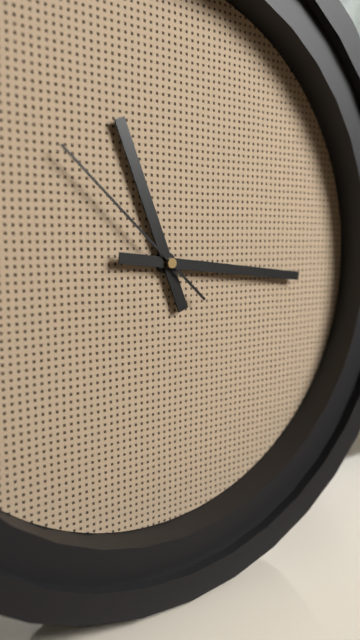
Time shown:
11.16.52
